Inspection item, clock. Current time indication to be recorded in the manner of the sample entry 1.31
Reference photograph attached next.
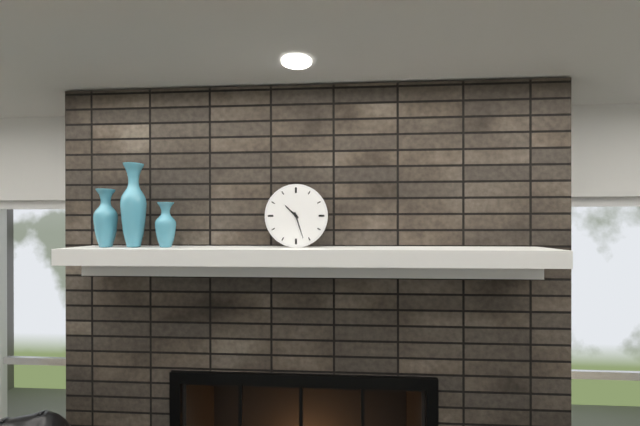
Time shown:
10.27
